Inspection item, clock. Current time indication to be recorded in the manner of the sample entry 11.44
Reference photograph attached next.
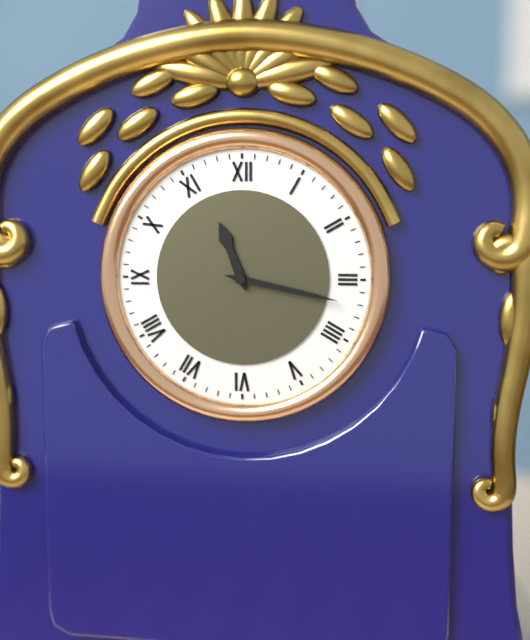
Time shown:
11.17
